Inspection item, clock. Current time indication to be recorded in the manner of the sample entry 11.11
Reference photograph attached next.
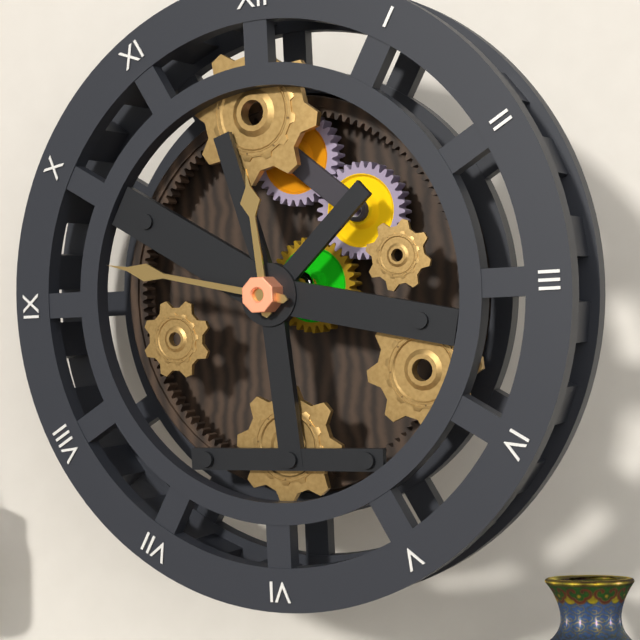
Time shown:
11.47
